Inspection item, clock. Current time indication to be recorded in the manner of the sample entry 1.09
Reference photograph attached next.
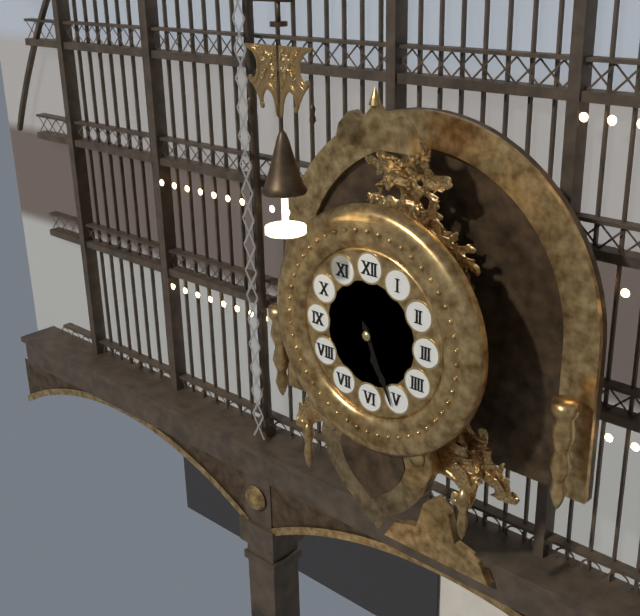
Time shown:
5.26
